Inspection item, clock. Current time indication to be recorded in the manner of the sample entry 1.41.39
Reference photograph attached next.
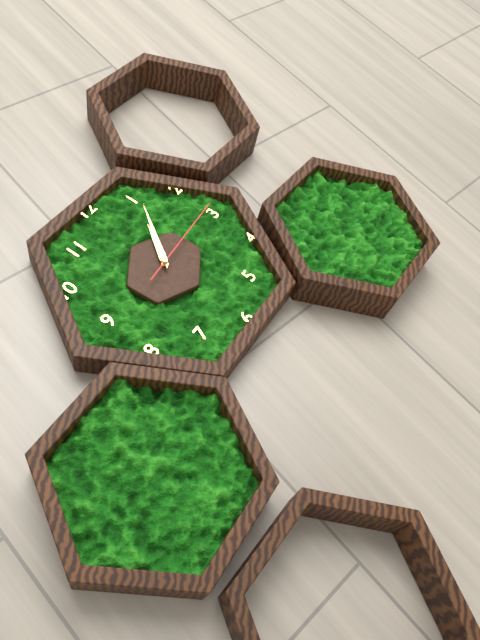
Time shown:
1.06.14
